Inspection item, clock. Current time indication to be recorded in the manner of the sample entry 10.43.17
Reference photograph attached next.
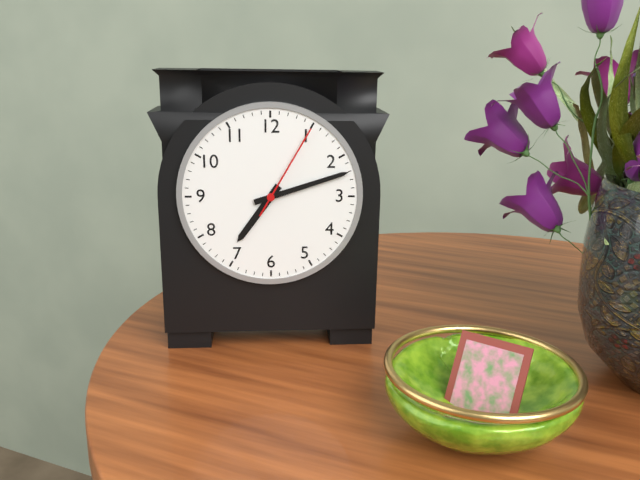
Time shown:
7.12.05
